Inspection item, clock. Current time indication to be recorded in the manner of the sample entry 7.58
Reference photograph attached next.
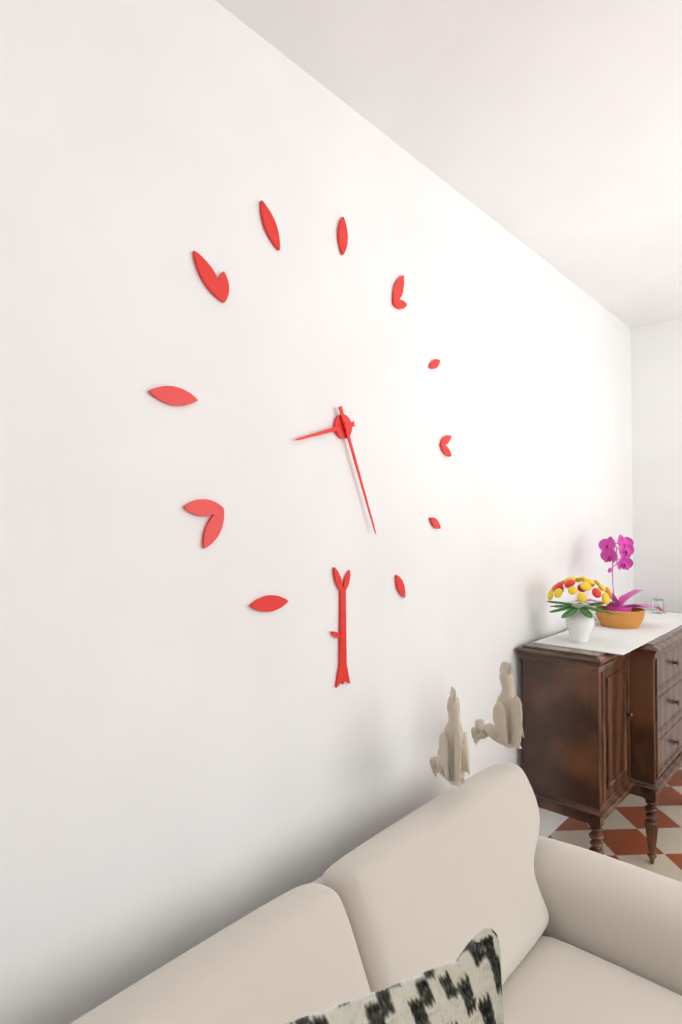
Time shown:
8.26
